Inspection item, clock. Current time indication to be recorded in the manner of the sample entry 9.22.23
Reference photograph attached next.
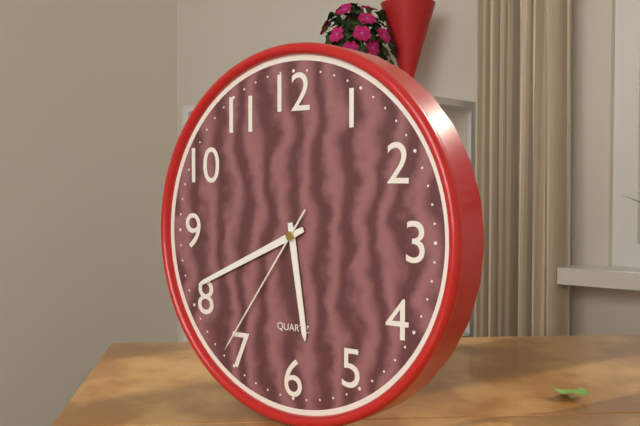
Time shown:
5.41.36
